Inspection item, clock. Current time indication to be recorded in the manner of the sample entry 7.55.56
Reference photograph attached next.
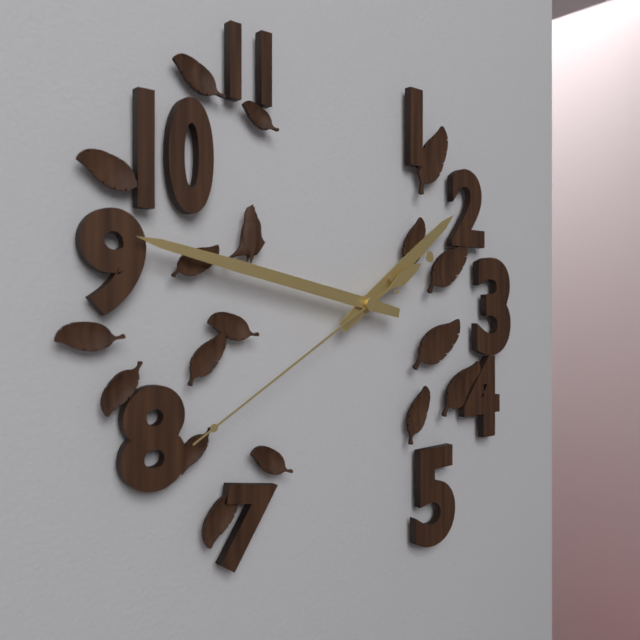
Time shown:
1.47.40
